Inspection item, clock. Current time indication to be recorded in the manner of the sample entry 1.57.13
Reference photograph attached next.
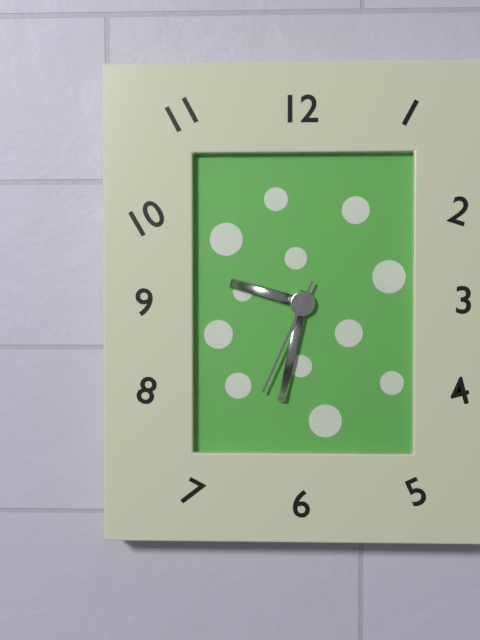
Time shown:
9.32.34
